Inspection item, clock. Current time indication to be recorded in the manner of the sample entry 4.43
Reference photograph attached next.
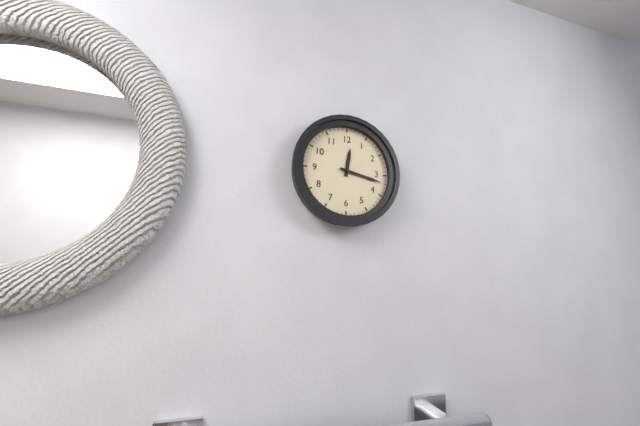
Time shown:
12.17
